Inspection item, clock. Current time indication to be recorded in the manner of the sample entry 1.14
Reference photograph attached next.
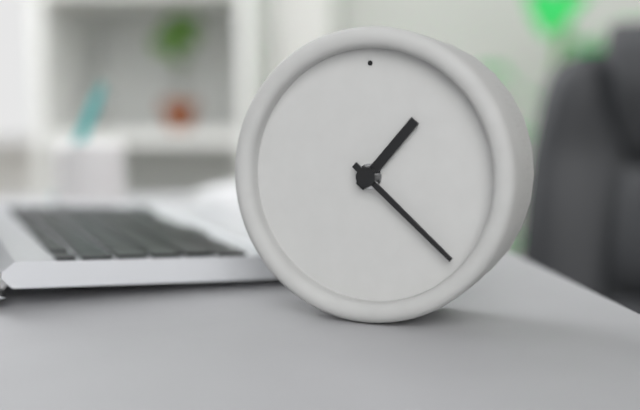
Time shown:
1.22
